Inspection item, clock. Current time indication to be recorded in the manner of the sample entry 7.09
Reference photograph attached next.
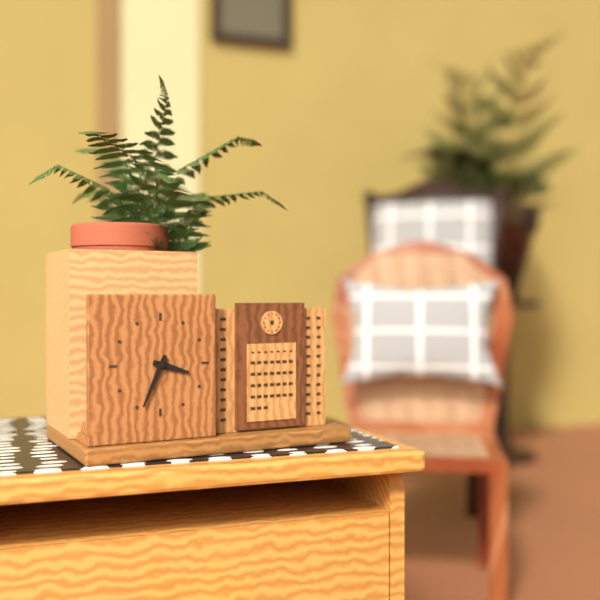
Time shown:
3.34
